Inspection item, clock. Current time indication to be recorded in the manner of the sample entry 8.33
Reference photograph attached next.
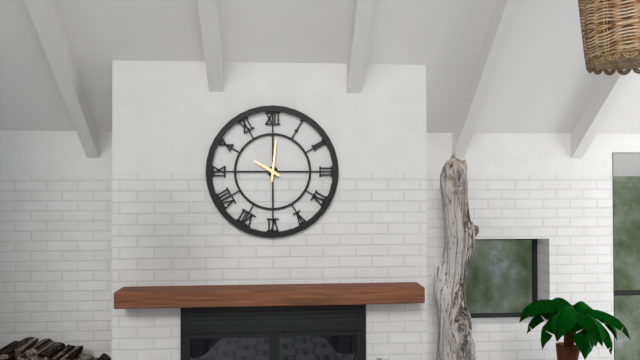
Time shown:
10.01
